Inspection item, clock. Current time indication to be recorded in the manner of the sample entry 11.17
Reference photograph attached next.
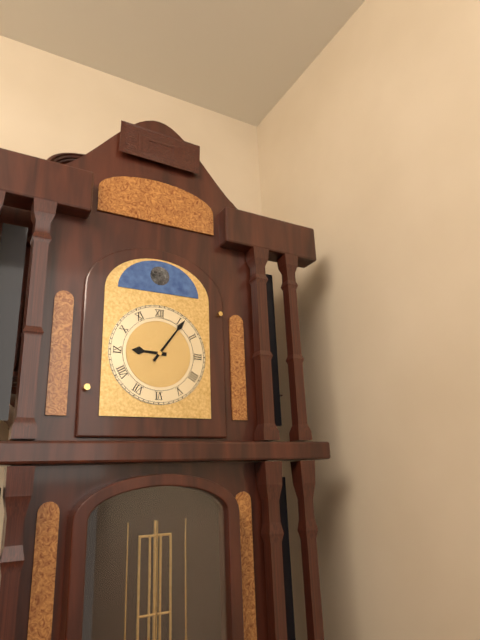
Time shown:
9.06
